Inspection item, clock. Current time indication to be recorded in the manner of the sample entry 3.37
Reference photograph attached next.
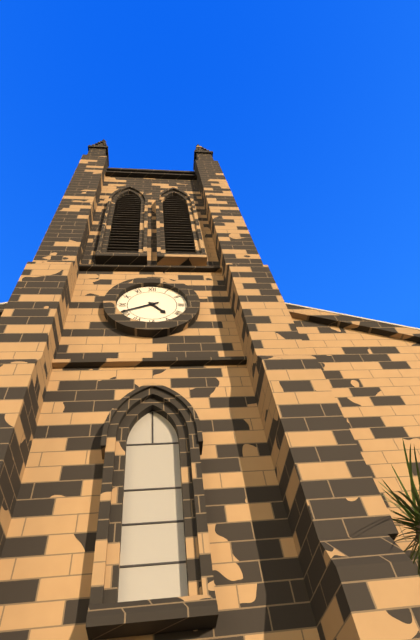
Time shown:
4.41
